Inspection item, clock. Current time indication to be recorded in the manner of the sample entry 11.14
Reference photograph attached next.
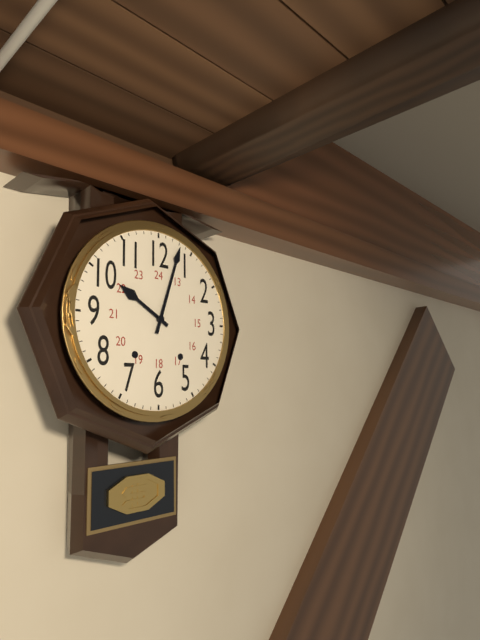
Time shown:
10.03
